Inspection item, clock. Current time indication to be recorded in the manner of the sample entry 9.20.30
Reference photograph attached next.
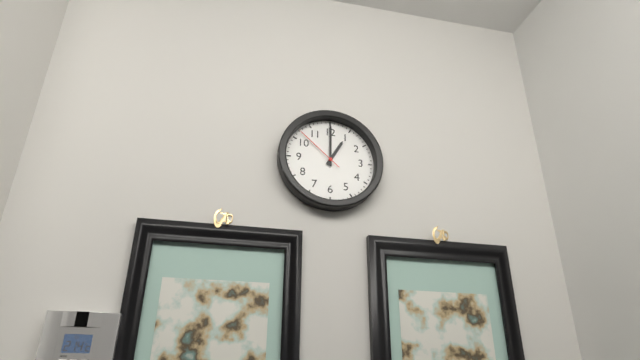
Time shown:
1.00.52
